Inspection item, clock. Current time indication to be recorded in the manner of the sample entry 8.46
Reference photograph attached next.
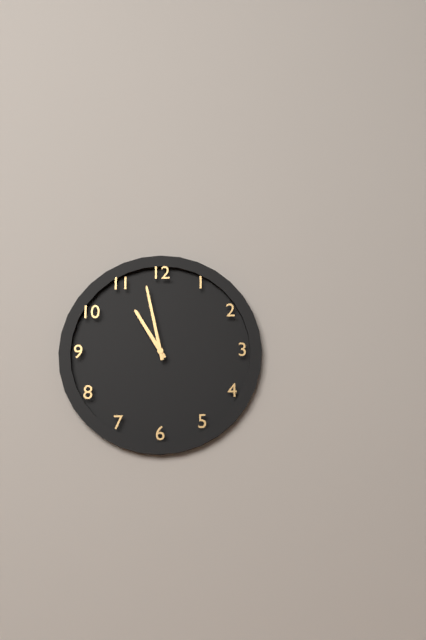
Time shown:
10.58
